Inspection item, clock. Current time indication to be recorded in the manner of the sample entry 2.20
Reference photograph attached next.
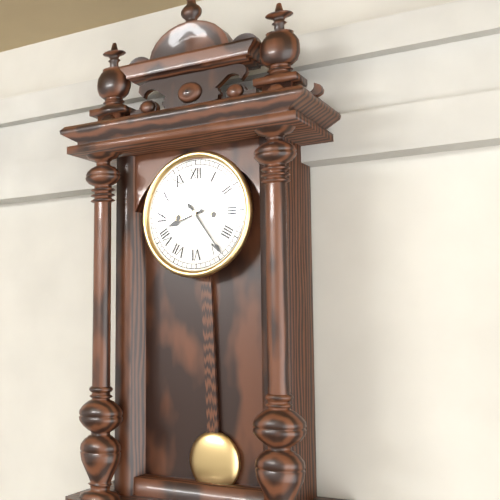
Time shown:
8.24
